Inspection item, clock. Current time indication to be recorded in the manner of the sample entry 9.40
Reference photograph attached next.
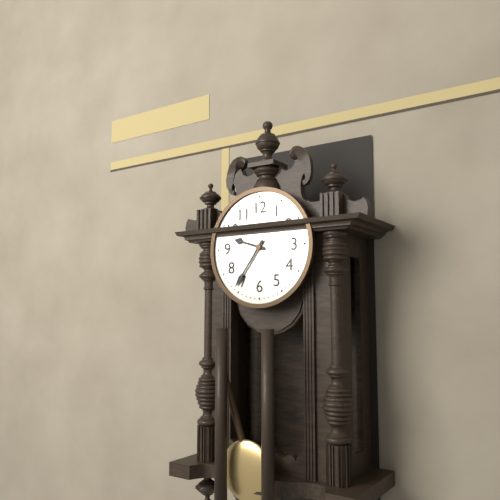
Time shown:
9.36
